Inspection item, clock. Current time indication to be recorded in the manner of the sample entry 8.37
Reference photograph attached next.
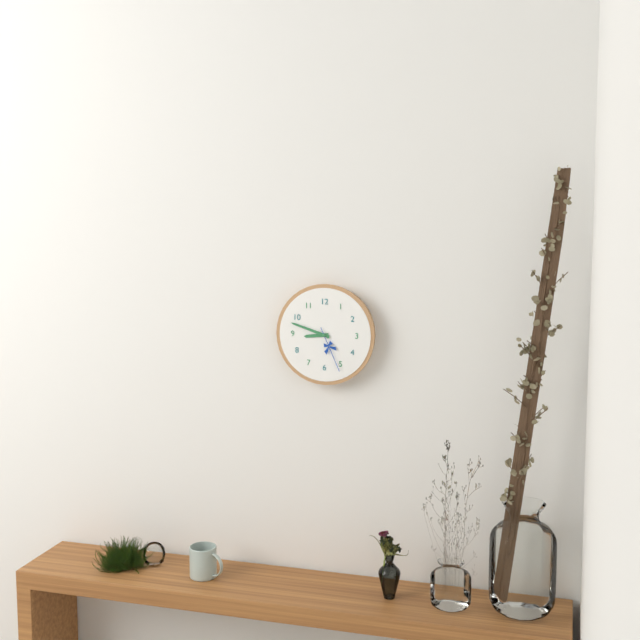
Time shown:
8.48
